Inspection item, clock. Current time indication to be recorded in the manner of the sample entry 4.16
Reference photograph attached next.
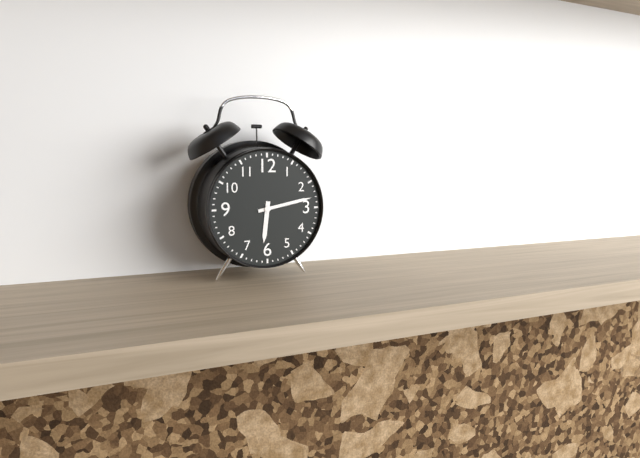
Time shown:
6.13
